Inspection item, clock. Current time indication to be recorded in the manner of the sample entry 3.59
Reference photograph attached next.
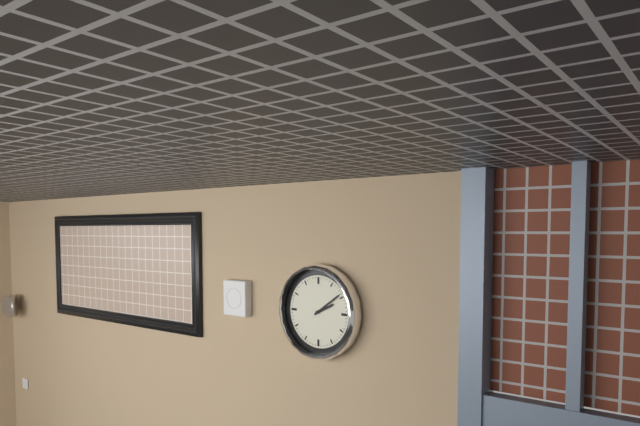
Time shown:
2.09
